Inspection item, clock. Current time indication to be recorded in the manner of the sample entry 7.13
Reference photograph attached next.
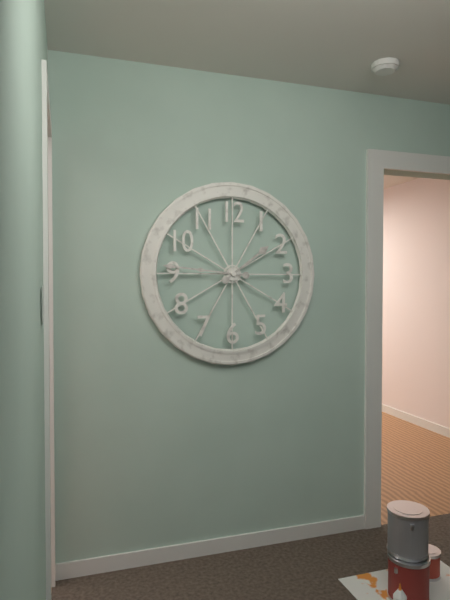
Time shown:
1.46
